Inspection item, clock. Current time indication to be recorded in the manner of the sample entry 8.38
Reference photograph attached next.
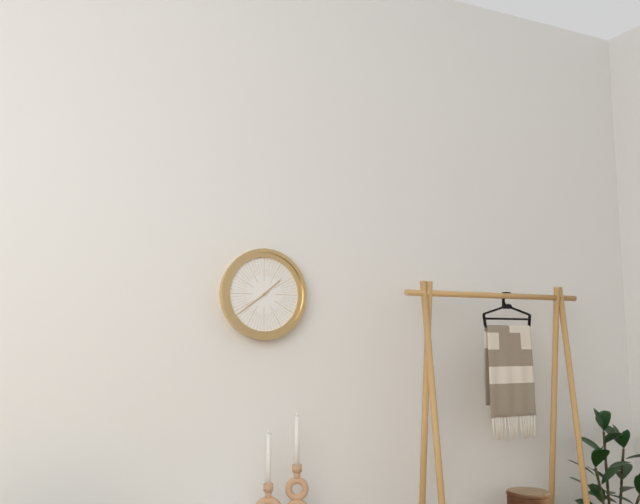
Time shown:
1.39
